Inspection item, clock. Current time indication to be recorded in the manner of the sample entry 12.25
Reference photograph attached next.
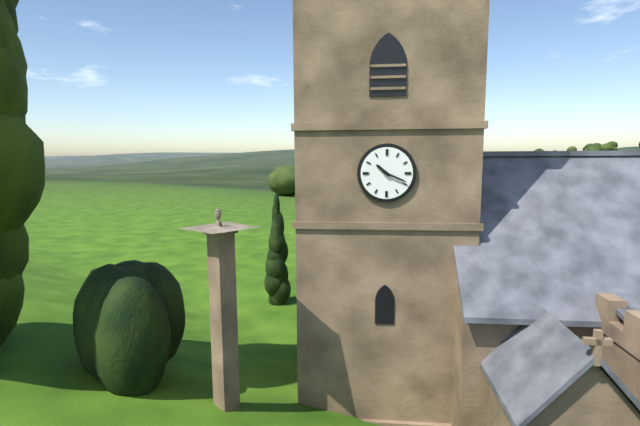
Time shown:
10.19
